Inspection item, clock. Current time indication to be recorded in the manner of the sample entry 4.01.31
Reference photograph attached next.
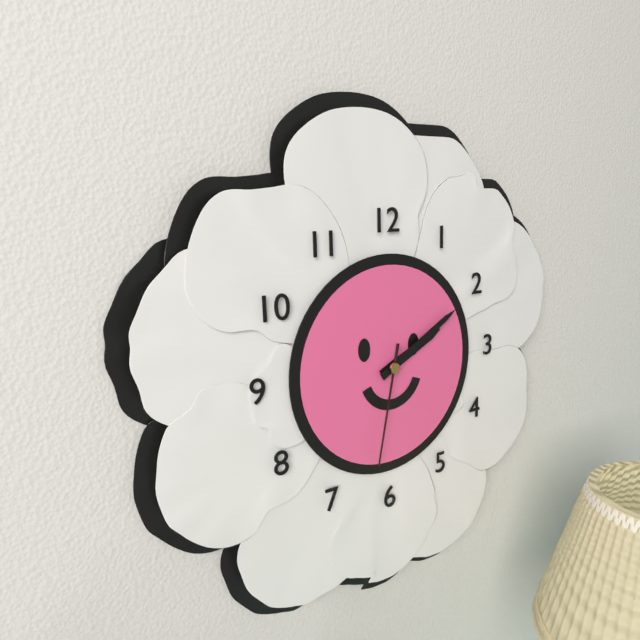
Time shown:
2.10.32
